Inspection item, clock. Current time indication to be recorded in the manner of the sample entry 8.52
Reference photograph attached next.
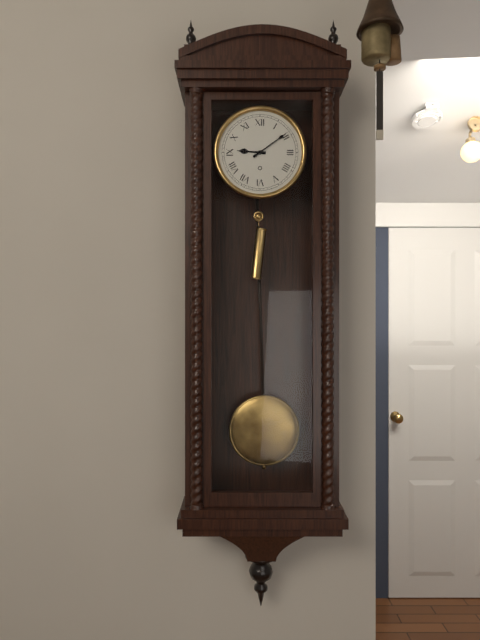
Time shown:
9.09
